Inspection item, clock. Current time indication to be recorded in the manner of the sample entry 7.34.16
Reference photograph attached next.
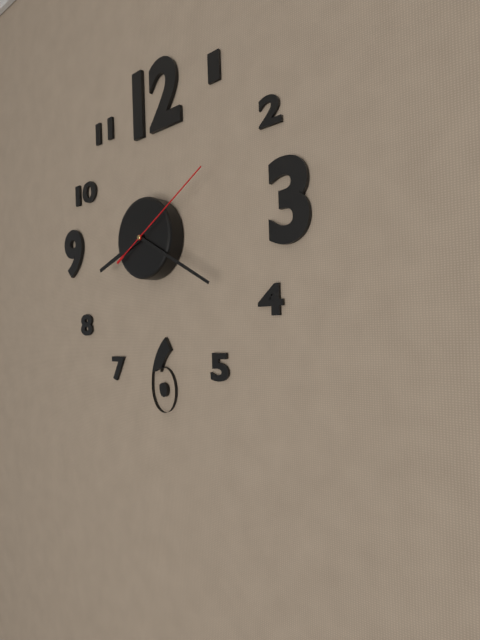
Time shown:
8.20.10
